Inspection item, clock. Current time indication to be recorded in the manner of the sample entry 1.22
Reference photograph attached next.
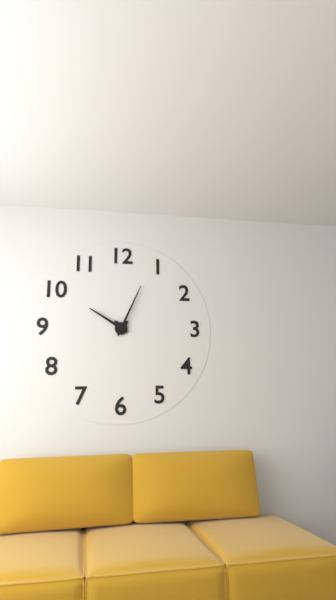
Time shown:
10.04
